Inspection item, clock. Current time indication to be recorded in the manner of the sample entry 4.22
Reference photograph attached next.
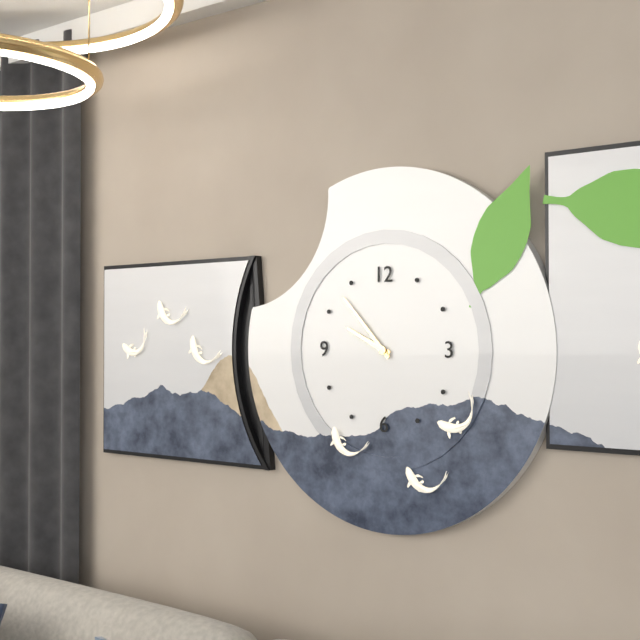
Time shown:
9.53
